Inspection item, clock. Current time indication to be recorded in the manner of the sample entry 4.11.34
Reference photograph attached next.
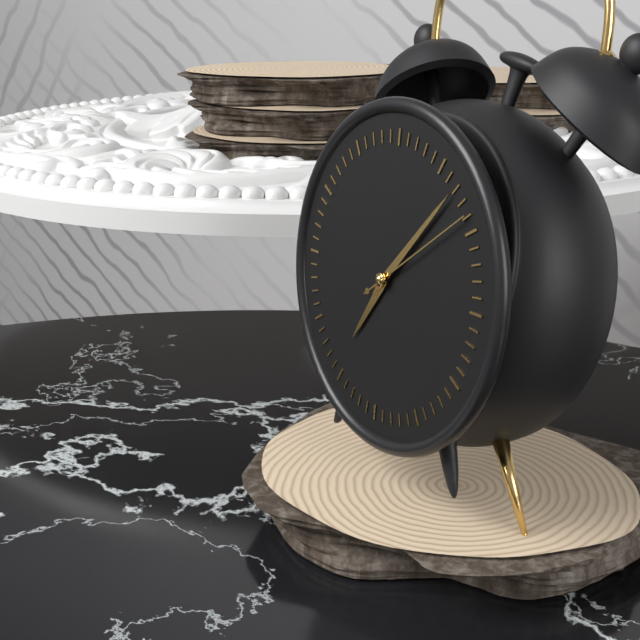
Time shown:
7.07.09
